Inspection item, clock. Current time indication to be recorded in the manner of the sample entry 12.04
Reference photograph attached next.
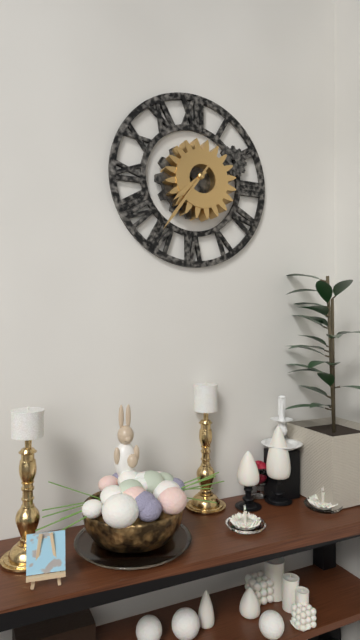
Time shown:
7.36
